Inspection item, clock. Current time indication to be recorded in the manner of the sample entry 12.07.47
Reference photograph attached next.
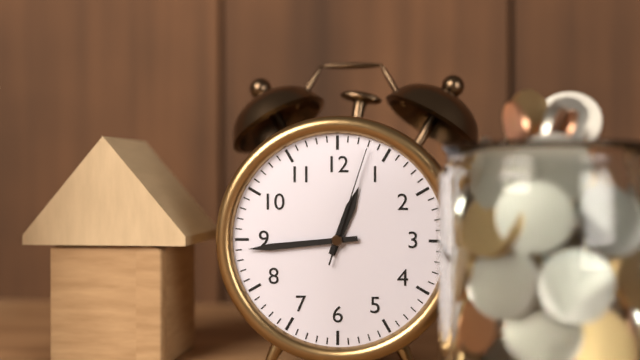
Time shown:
12.44.03
